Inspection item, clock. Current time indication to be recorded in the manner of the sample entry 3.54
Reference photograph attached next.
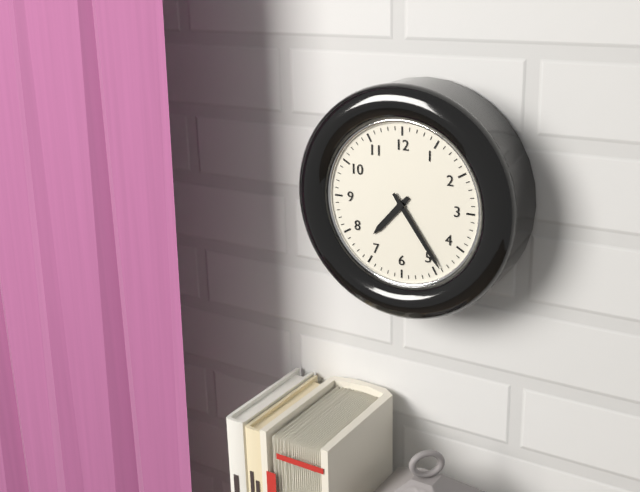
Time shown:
7.24
